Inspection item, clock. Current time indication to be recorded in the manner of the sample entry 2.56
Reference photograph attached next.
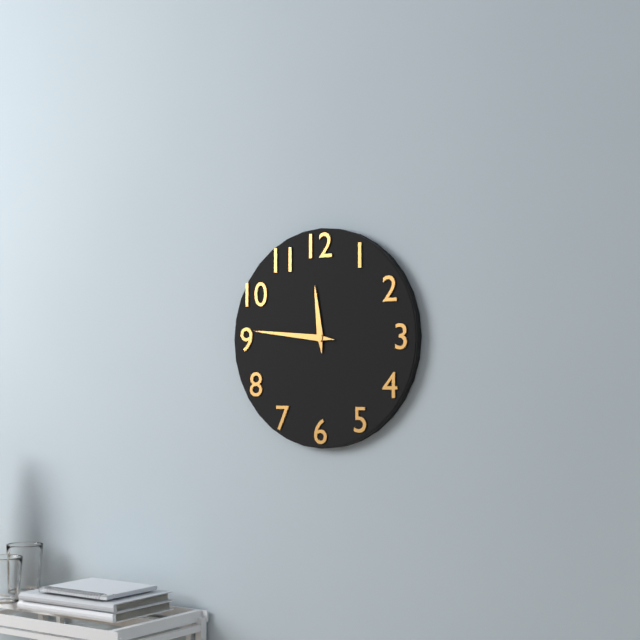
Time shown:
11.46
